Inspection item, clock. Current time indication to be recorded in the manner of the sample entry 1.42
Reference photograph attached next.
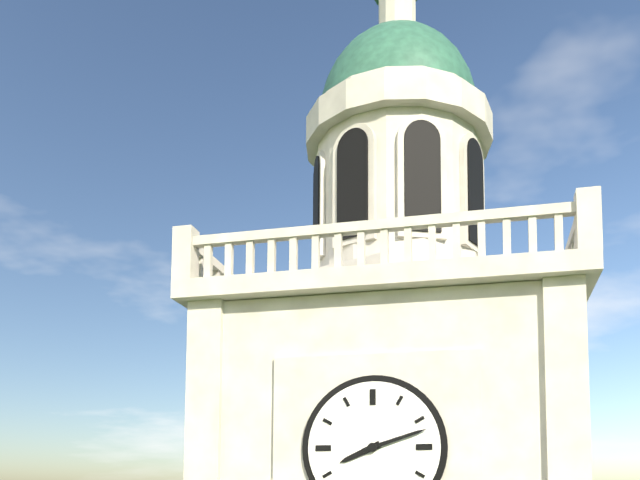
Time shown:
8.12
